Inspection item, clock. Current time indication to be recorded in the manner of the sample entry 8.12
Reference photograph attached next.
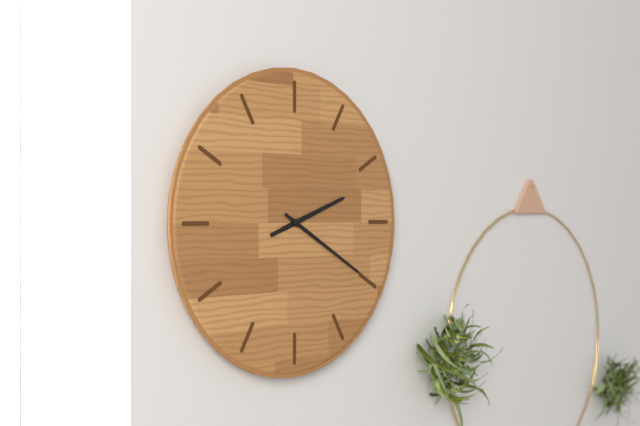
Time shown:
2.20
